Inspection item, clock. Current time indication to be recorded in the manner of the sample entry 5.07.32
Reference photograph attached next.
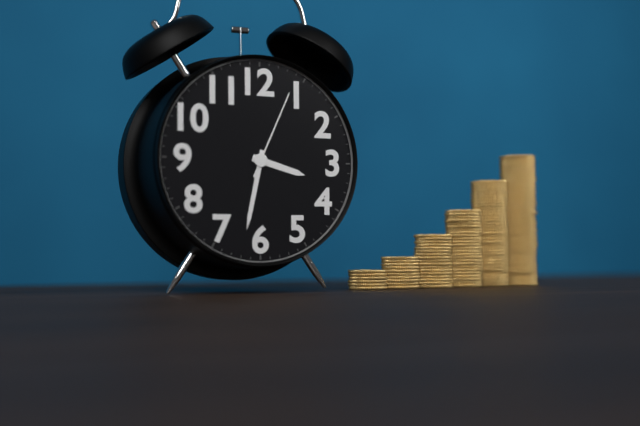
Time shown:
3.32.04
